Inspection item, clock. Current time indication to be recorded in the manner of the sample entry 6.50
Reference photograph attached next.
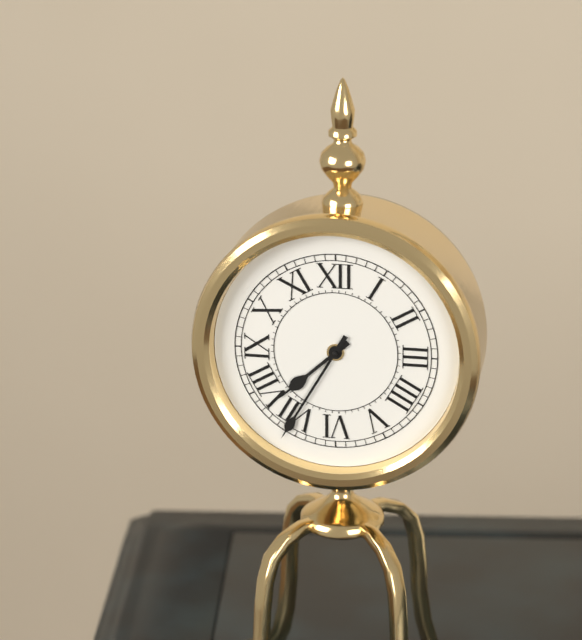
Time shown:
7.35
